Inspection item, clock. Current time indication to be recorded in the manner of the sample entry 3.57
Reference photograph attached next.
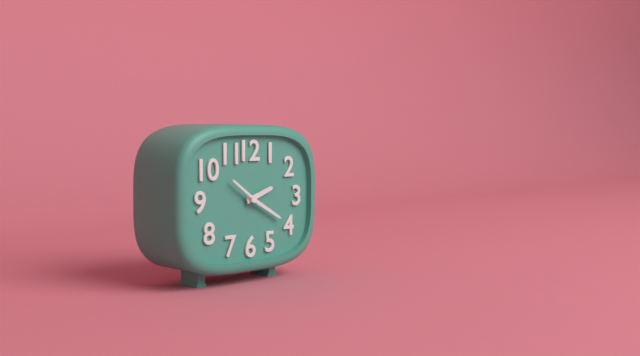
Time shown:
2.20
